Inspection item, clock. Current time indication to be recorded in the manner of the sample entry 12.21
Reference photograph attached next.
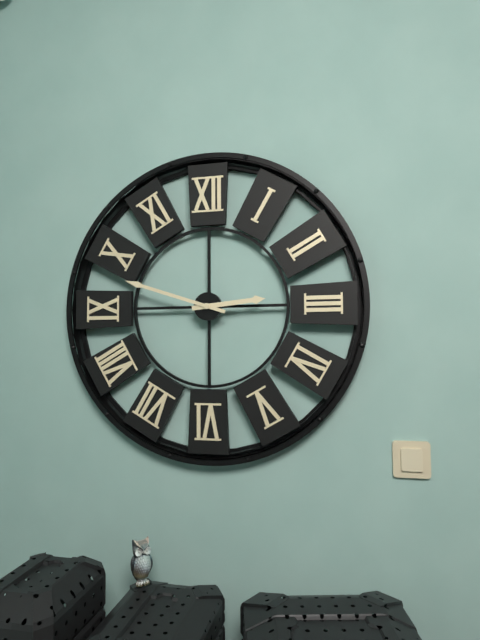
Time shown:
2.48
